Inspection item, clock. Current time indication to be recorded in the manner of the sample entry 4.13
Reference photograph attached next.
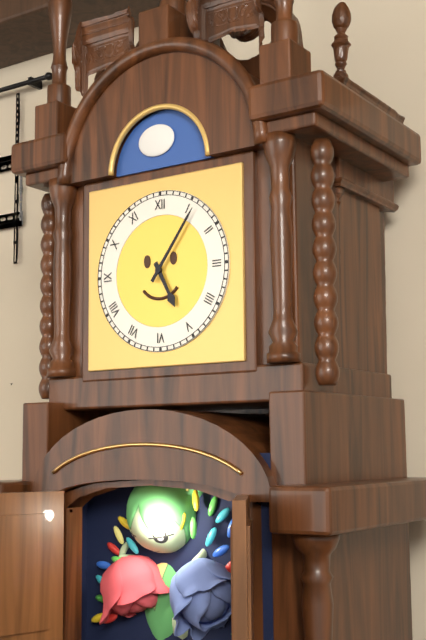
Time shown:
5.06
